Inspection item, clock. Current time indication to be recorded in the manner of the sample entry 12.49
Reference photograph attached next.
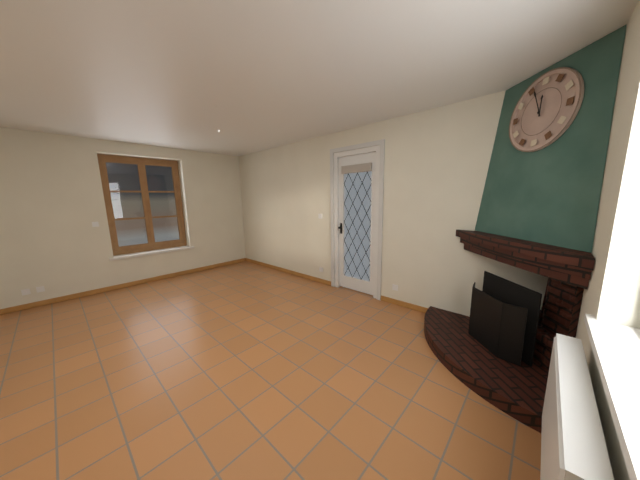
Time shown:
11.56
